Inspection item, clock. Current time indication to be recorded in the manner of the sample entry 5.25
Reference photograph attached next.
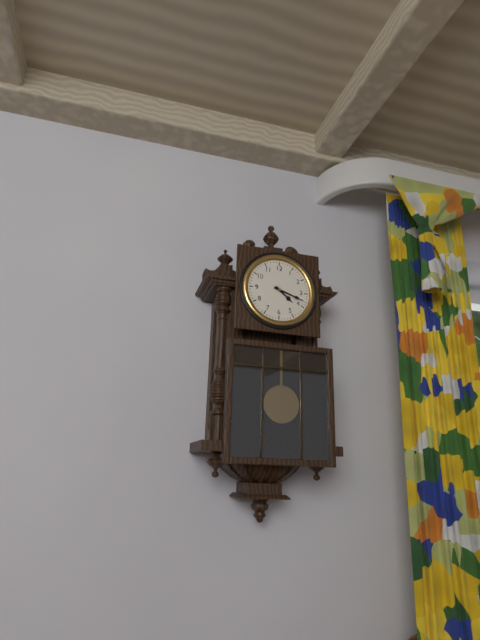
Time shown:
4.18
